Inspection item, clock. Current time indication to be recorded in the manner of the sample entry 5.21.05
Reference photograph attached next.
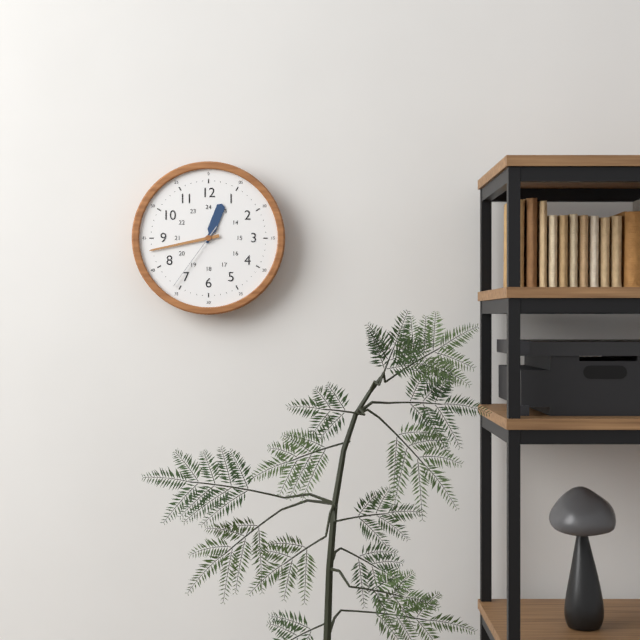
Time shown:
12.43.36
